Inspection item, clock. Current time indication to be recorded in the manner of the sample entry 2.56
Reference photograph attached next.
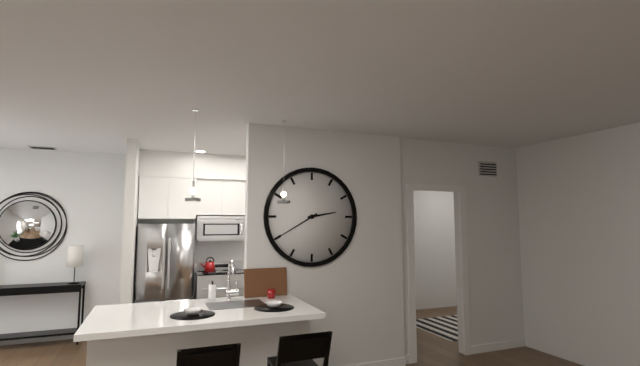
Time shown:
2.40
